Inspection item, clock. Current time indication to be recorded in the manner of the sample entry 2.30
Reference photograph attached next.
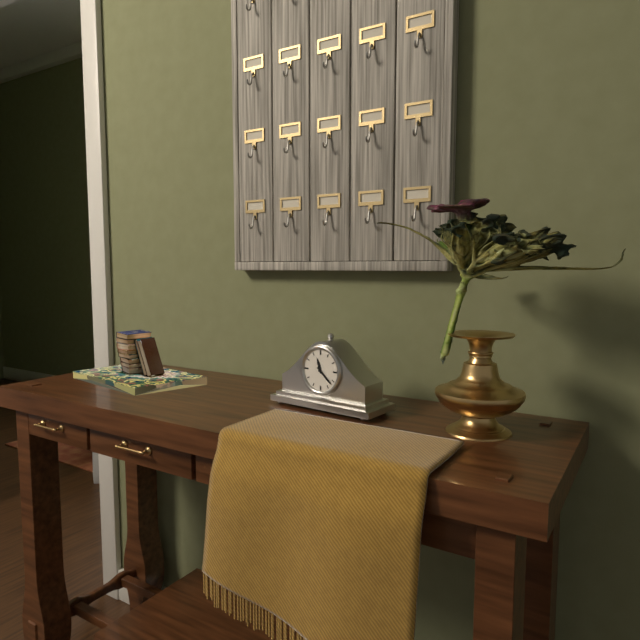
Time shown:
11.22
